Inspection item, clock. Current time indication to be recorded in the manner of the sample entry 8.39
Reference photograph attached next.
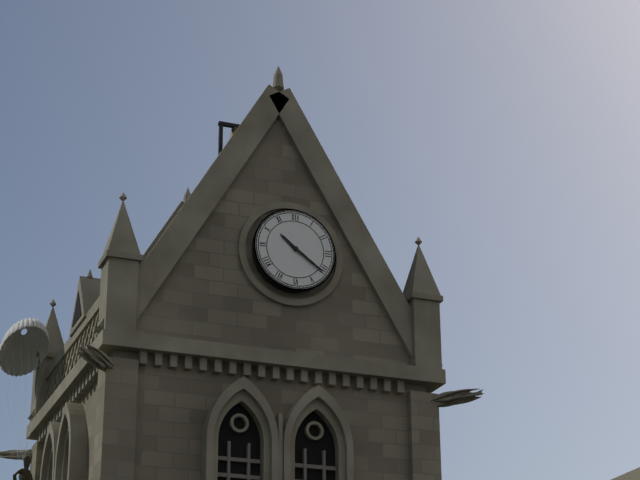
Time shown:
10.21
